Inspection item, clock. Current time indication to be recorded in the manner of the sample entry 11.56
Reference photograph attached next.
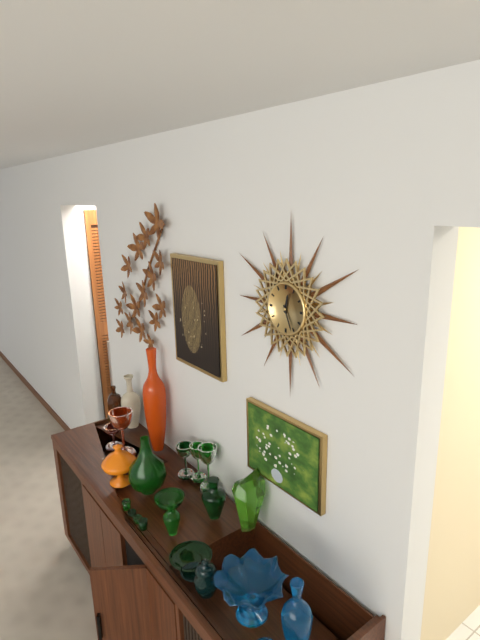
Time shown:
12.26
